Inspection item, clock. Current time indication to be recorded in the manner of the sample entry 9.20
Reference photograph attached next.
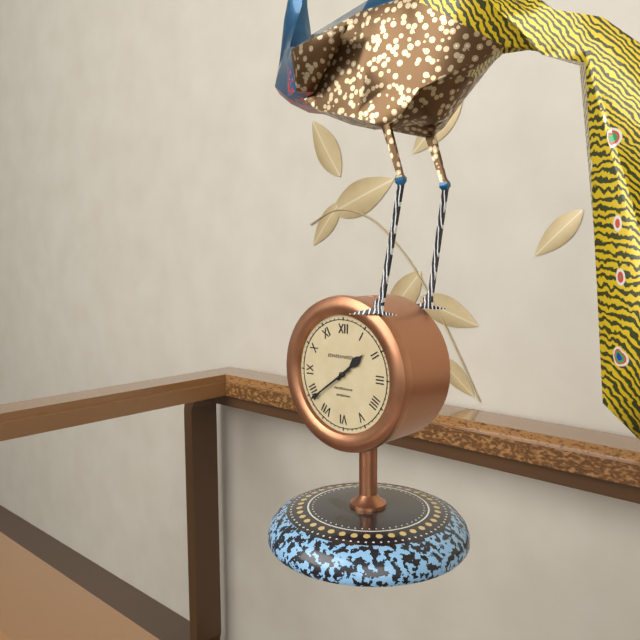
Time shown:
1.39
